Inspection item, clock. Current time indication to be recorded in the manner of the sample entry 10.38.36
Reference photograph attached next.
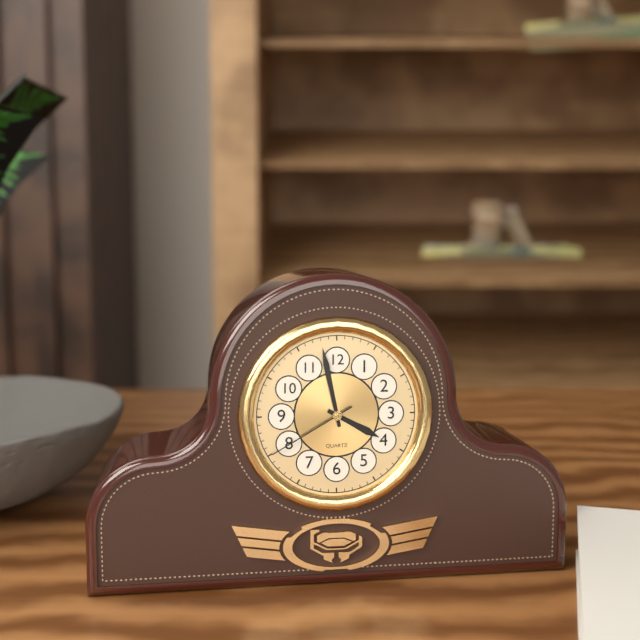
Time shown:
3.58.40
